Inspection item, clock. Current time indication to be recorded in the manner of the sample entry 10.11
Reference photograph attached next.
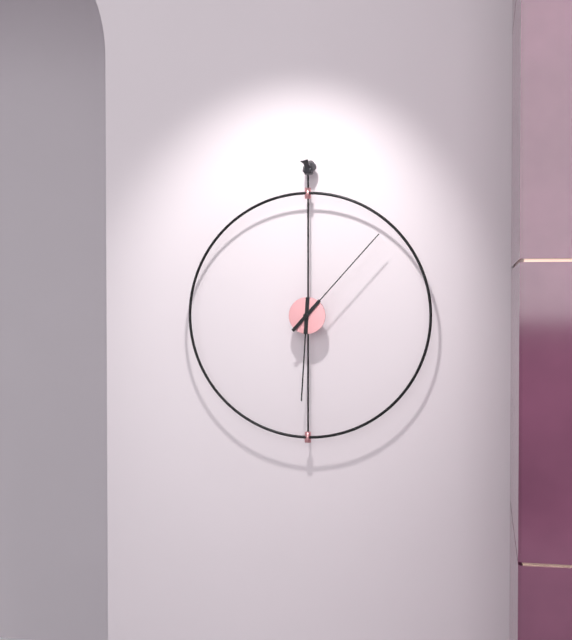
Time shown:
6.07
